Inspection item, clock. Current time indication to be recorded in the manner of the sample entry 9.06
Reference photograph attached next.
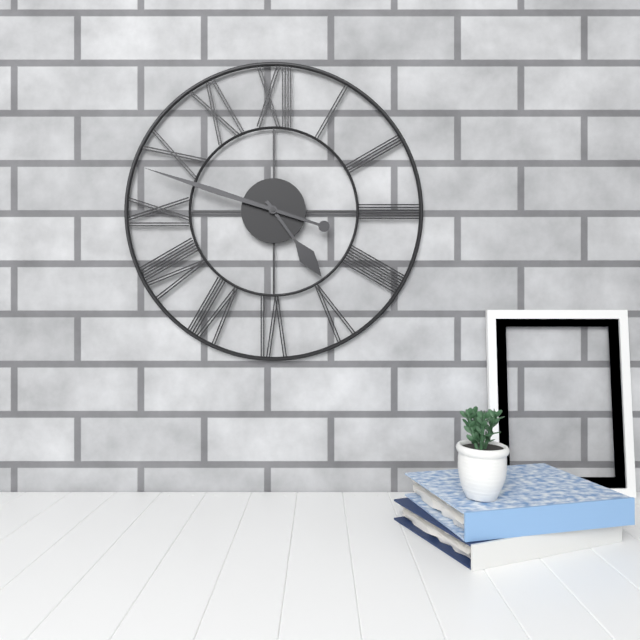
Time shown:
4.48
